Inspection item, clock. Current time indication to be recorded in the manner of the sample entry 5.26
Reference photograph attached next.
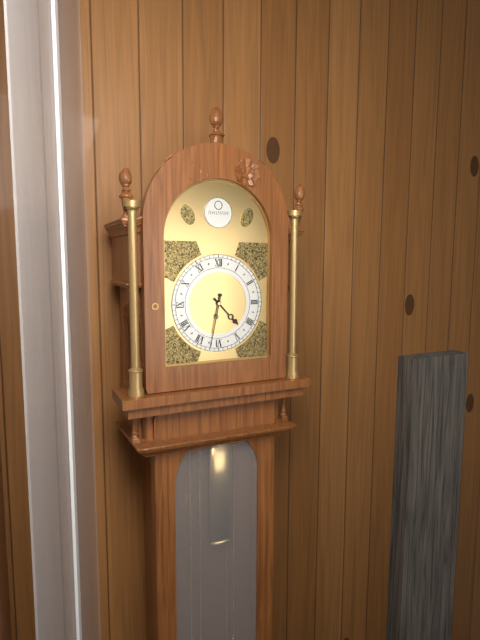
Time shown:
4.32
